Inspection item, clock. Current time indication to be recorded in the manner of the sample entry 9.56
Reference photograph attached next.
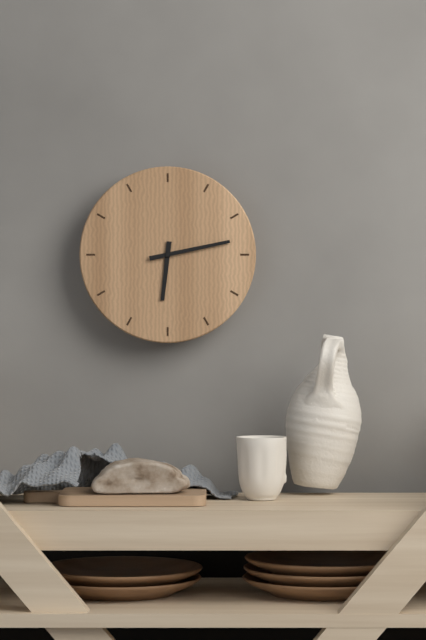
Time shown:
6.13
